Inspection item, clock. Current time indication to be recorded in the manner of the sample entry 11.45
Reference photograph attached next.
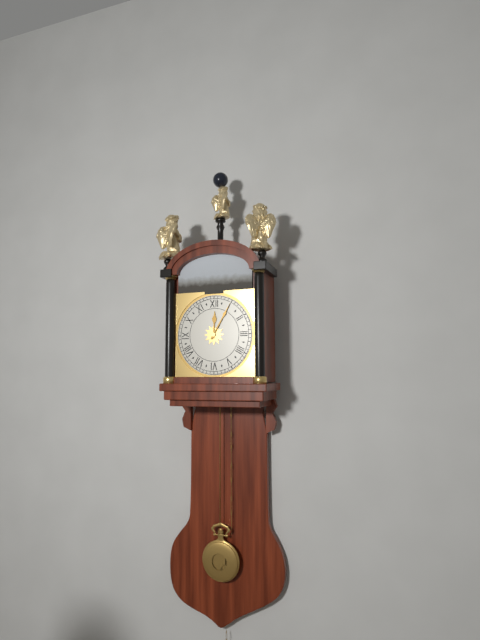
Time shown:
12.05
